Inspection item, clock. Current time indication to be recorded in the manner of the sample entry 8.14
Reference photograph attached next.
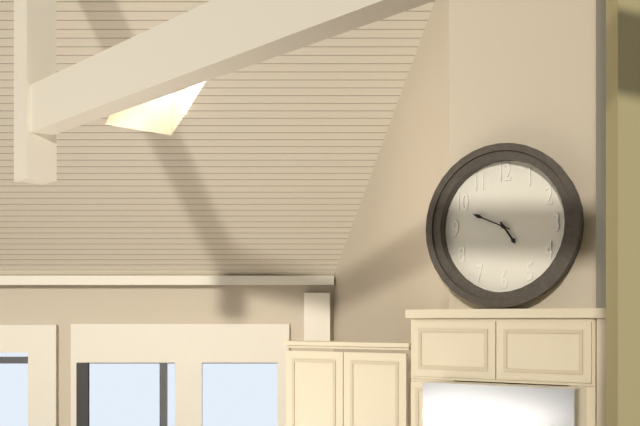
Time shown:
4.49
